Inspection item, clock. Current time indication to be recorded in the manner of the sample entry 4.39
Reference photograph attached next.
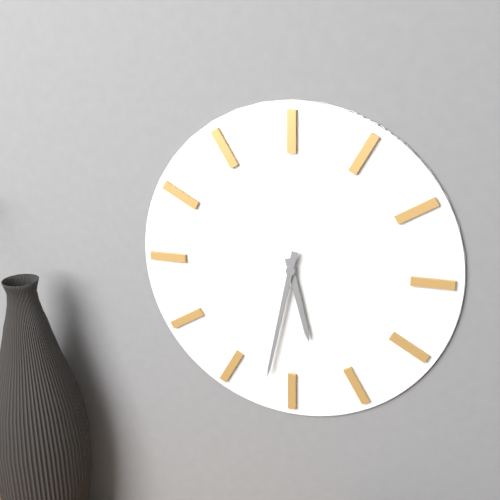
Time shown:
5.32
